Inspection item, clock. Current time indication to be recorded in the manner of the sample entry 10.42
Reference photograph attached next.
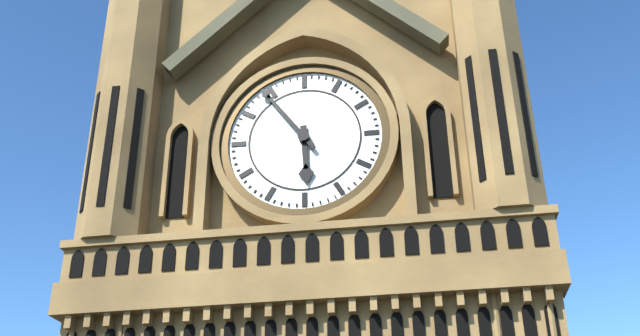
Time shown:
5.54
